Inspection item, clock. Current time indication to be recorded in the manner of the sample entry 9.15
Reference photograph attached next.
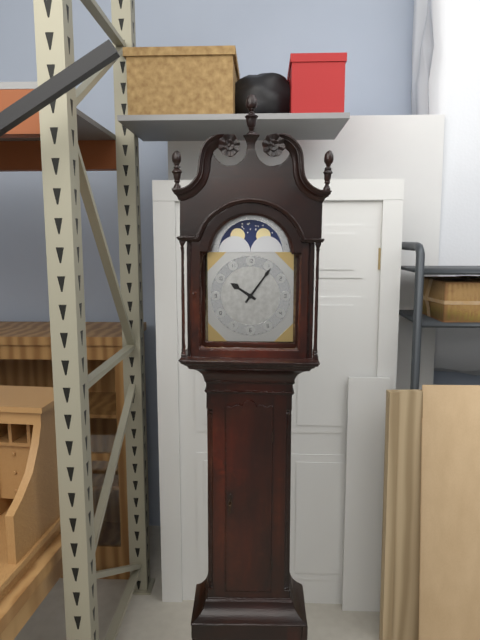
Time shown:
10.06
